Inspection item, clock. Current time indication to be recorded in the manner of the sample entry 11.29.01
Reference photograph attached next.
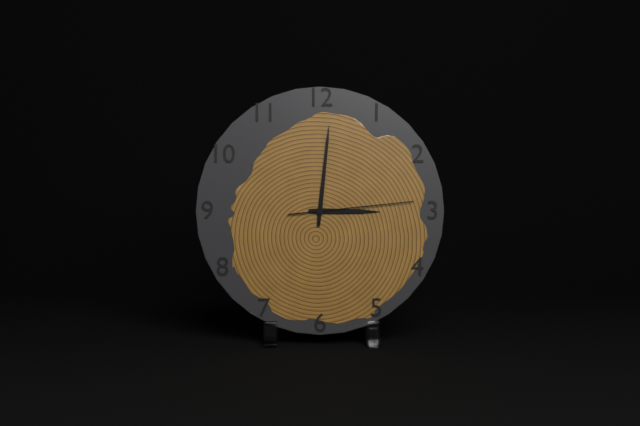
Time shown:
3.01.14
